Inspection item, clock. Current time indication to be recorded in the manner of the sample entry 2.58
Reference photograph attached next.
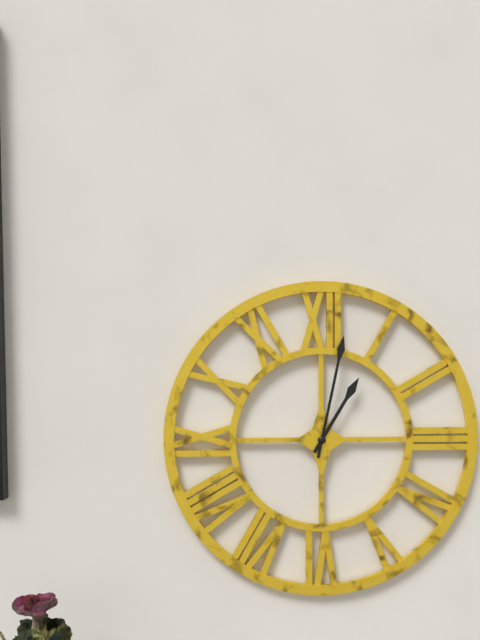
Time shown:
1.02
